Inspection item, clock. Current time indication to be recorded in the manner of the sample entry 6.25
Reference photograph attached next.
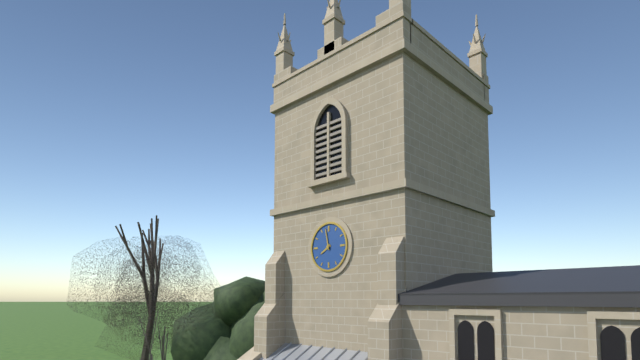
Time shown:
7.58
